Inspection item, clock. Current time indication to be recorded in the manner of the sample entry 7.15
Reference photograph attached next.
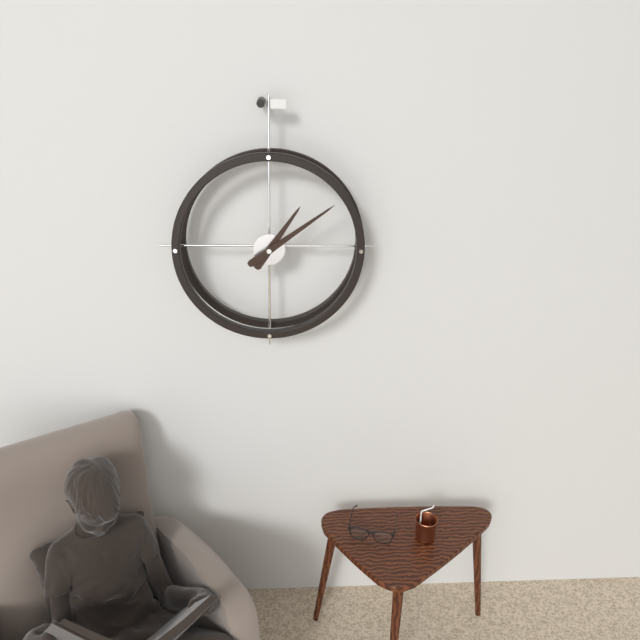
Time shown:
1.09
